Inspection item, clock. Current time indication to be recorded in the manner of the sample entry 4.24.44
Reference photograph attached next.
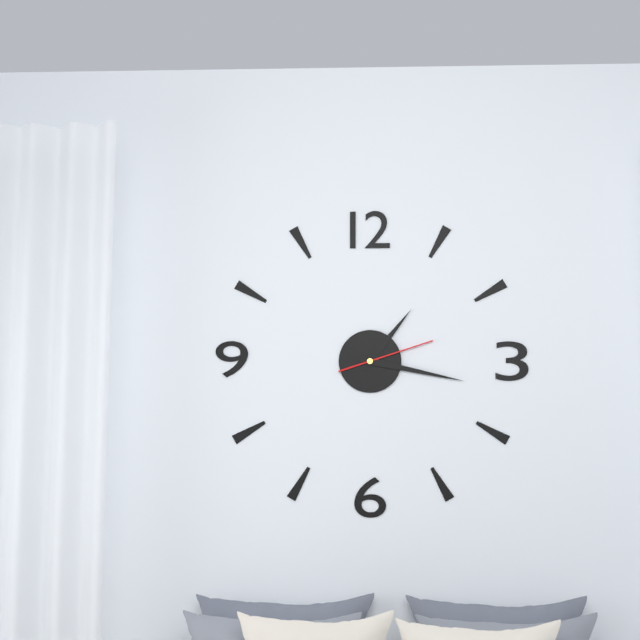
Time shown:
1.17.12
